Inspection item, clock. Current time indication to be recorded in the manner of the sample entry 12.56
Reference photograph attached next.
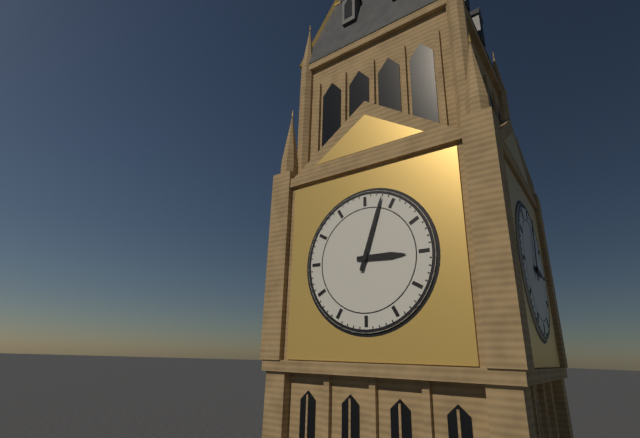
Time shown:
3.03
